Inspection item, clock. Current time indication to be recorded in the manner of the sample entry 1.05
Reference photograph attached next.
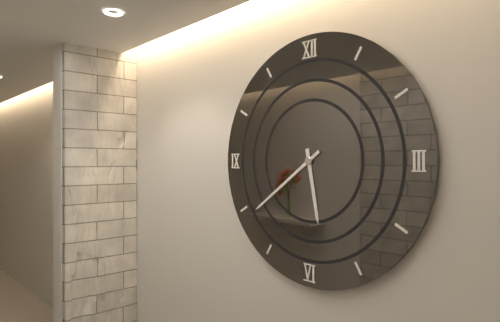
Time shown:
5.39
